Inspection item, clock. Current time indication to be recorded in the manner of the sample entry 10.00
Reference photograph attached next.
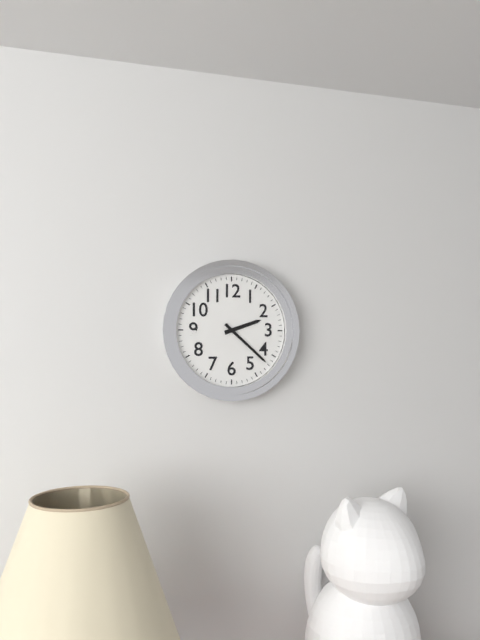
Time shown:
2.22
